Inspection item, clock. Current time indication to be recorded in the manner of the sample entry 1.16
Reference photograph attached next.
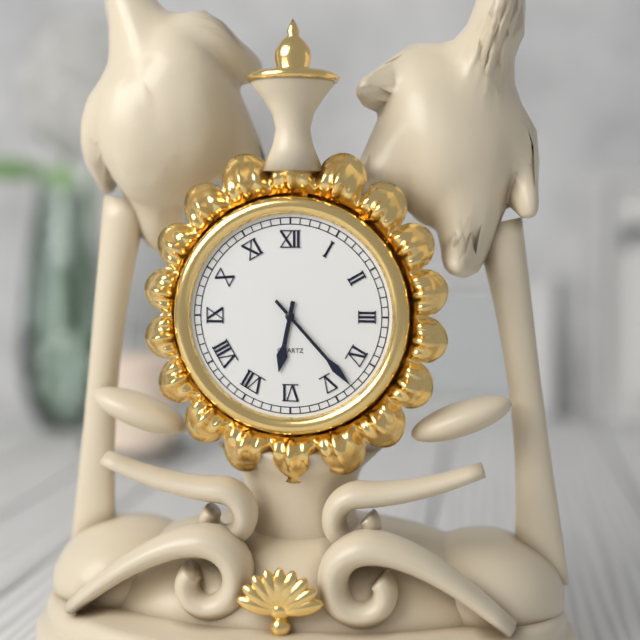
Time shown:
6.23
